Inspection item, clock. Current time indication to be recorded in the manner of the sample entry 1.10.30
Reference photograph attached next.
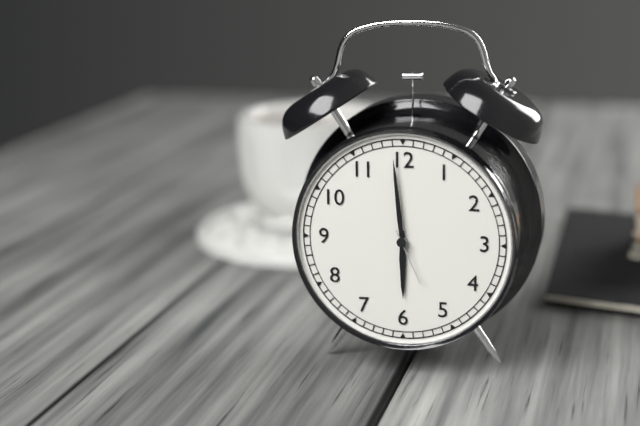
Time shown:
5.59.26
